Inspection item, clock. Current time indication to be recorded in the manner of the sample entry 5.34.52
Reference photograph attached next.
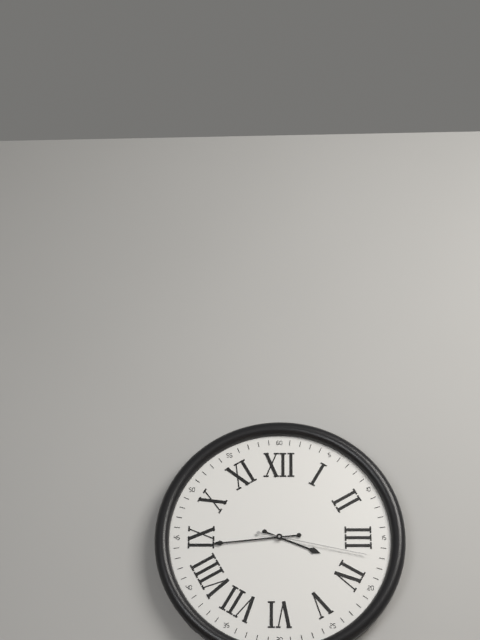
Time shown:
3.44.17
